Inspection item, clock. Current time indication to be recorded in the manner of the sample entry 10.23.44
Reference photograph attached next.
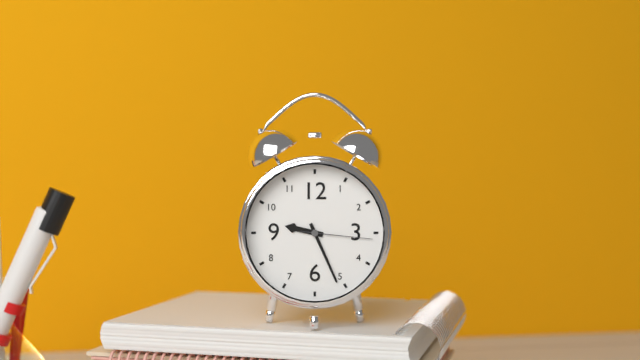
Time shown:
9.26.16
